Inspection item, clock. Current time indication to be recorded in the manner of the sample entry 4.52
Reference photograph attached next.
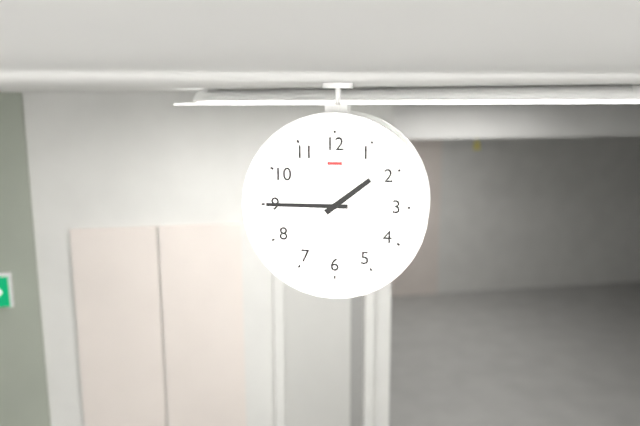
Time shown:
1.45
